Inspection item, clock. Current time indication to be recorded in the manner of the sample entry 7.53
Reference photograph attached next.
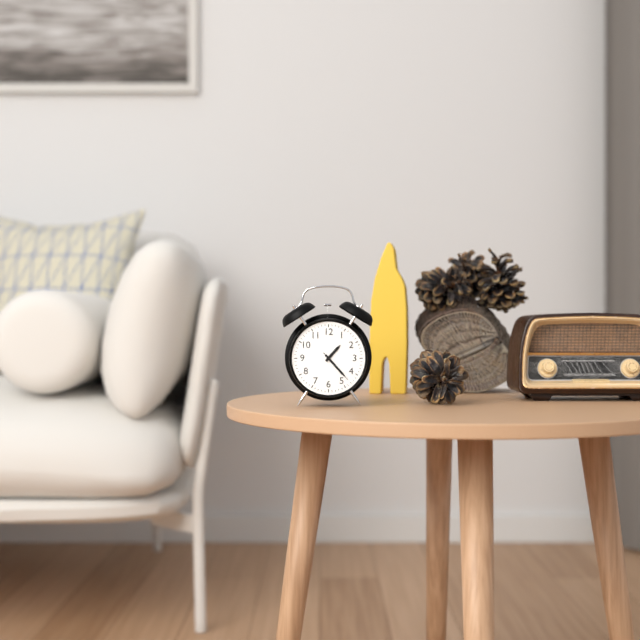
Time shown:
1.23
